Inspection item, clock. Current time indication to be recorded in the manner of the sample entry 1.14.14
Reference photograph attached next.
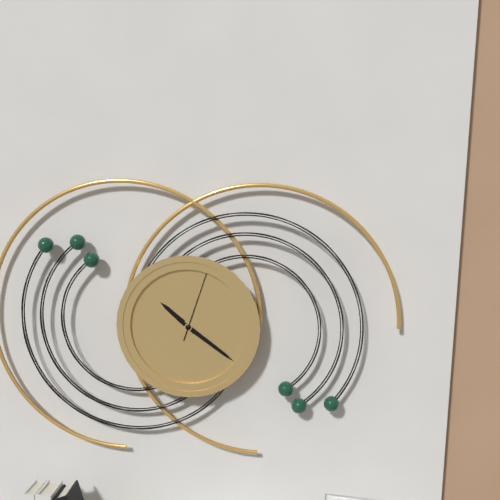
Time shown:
10.21.03
